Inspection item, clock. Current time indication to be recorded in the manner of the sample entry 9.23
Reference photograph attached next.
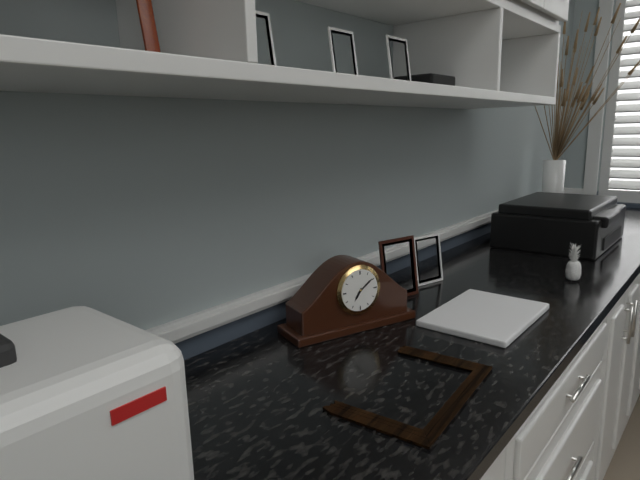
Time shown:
7.09
